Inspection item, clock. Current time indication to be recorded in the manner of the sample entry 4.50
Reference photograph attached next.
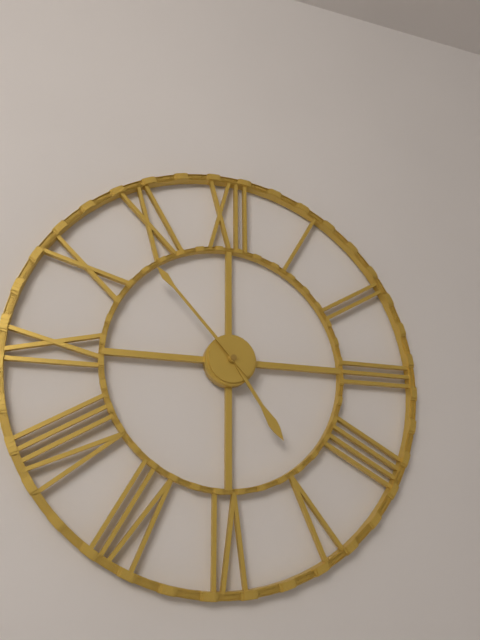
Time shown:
4.53
